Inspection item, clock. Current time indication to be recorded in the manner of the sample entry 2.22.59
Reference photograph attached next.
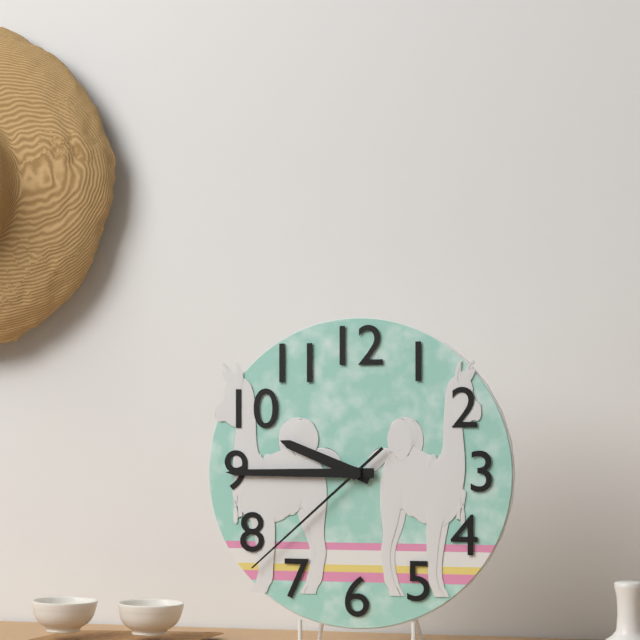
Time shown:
9.45.38
